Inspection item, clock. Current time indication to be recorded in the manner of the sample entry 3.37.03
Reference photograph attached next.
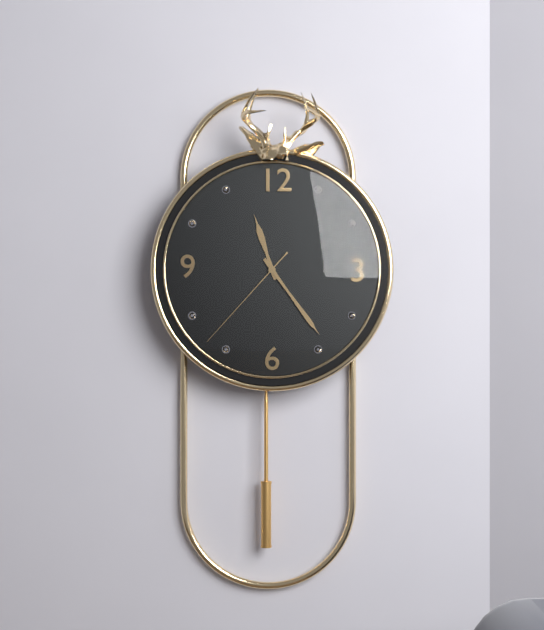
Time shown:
11.24.37
